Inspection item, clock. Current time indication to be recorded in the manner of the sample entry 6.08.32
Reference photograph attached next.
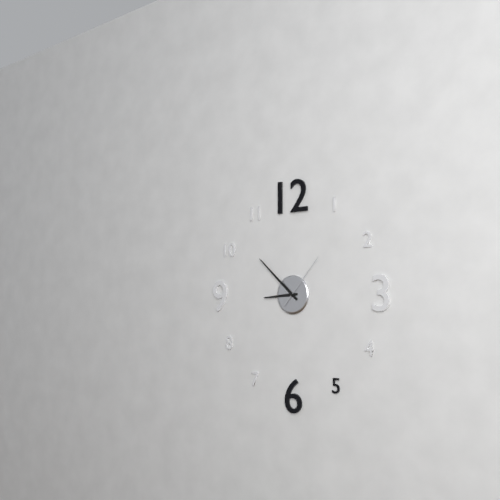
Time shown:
8.52.07
